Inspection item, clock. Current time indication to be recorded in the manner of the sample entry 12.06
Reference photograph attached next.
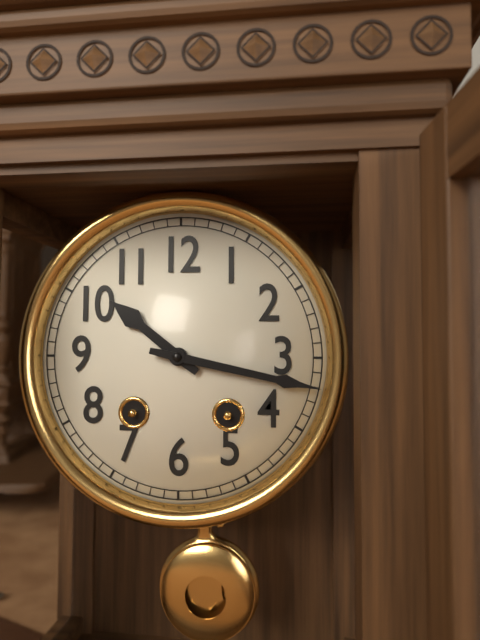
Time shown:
10.17
